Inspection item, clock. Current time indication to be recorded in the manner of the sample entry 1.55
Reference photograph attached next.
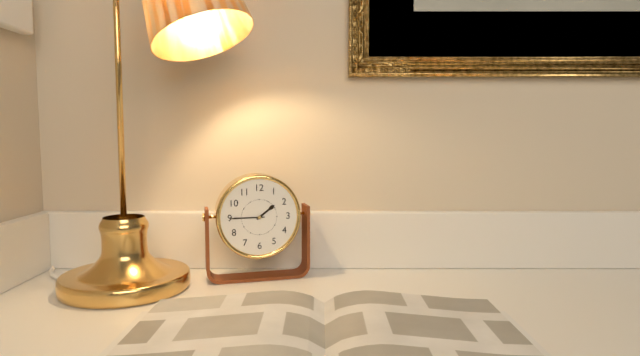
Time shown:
1.45
